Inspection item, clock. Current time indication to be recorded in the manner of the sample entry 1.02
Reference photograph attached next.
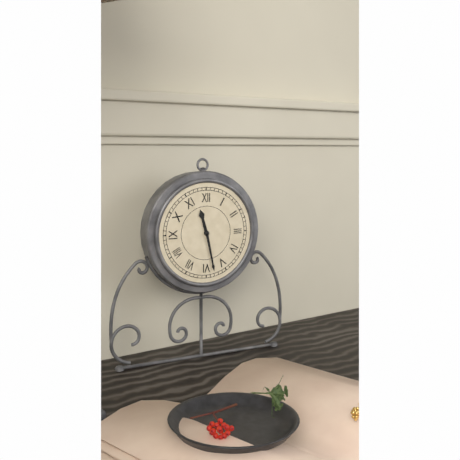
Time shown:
11.28
